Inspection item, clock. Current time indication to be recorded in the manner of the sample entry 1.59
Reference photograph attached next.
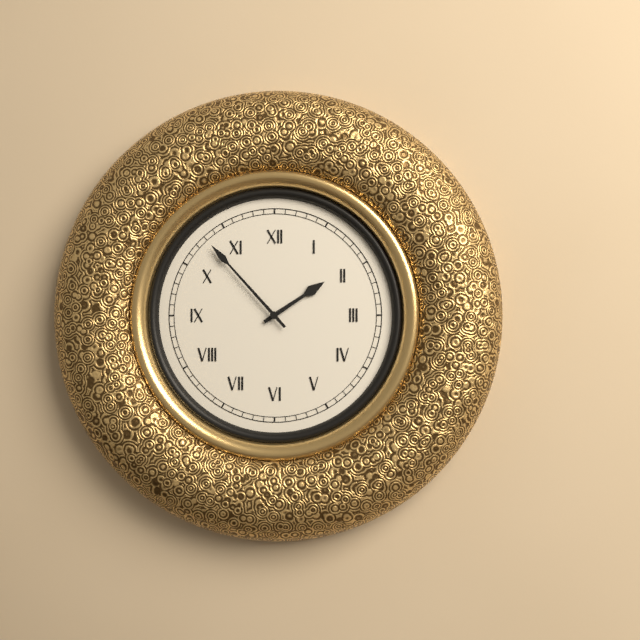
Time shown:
1.53
